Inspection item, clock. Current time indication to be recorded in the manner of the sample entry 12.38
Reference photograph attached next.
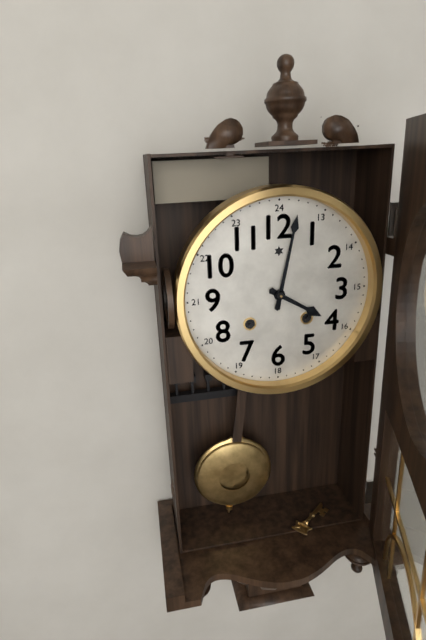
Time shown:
4.02
